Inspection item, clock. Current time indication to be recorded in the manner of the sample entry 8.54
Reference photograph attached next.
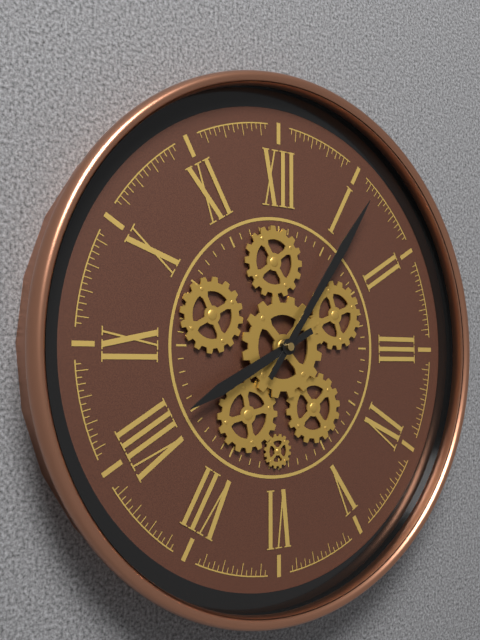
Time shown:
8.06
